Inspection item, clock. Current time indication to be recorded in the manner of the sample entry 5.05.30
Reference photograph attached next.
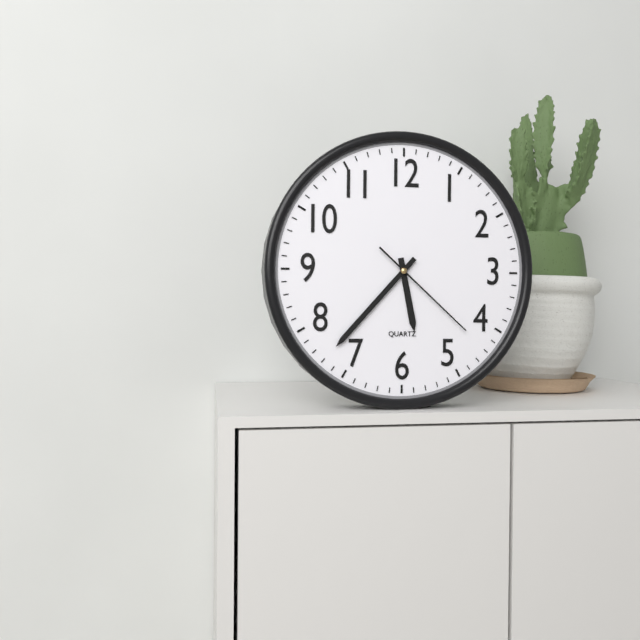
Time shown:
5.37.22
